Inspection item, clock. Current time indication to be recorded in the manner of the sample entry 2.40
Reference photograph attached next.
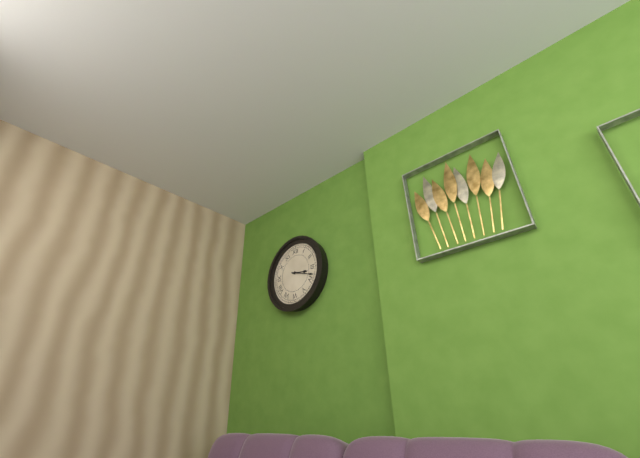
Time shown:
3.18
